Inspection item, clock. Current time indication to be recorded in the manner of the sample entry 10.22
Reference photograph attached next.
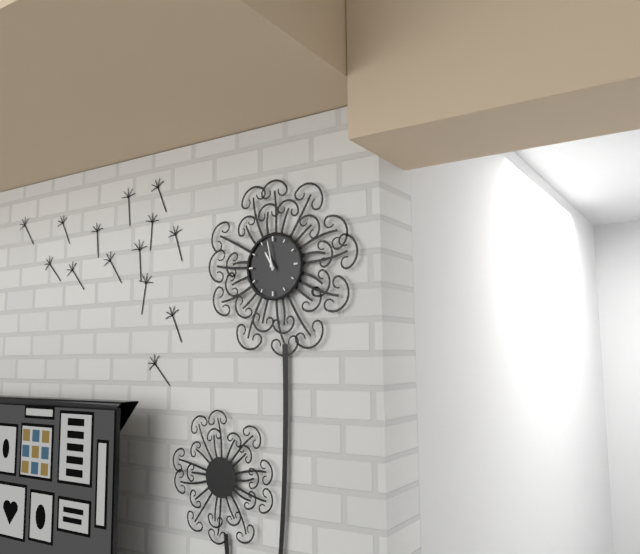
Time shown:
10.58
